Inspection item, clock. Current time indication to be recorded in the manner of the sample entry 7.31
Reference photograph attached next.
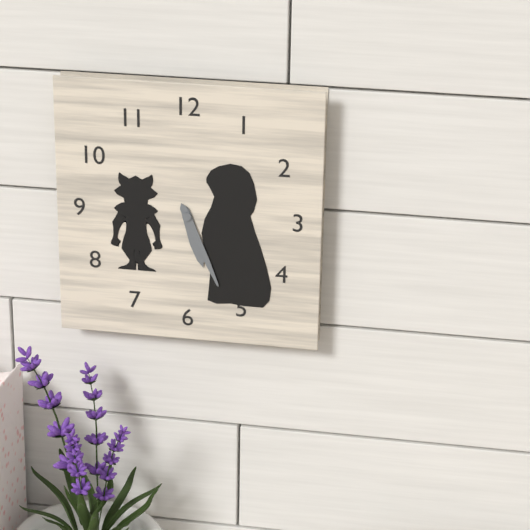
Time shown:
5.26
